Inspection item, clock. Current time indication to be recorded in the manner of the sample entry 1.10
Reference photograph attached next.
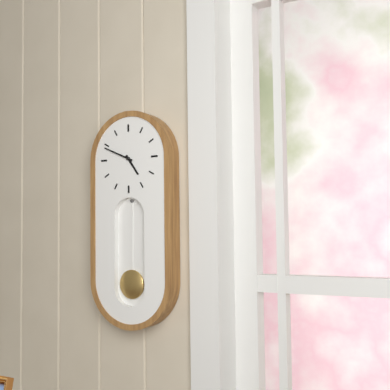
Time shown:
4.49
